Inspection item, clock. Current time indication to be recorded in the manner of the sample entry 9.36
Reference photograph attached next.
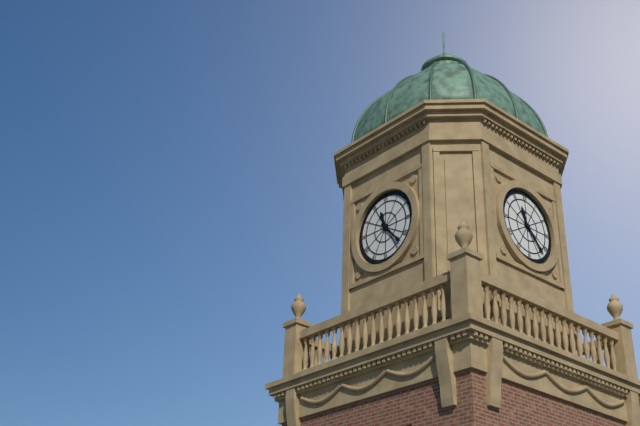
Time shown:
11.23
